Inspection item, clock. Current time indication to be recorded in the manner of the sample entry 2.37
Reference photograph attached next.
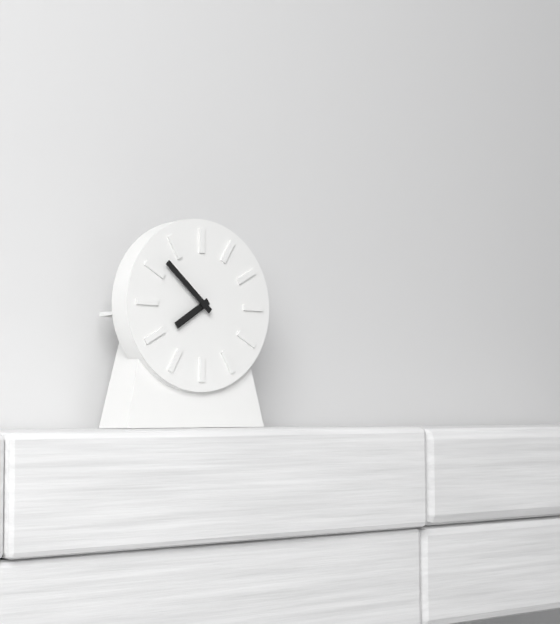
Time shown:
7.52
